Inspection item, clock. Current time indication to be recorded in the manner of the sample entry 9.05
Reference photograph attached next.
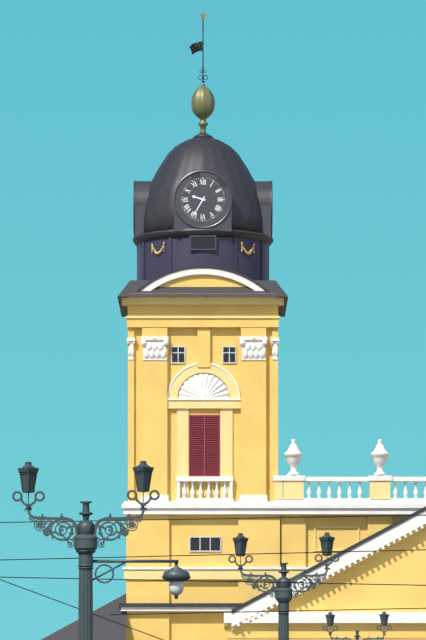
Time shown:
9.35
